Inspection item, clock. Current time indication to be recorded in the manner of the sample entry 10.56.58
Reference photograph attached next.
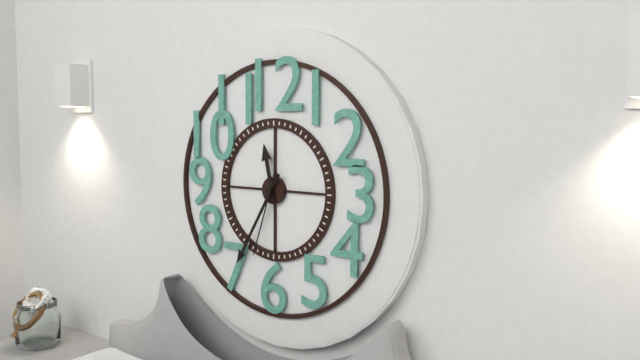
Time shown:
11.35.33
